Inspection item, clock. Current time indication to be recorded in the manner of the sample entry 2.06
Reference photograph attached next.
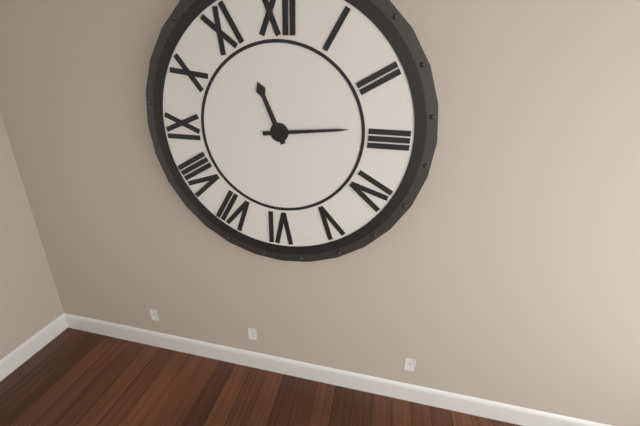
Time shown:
11.14
